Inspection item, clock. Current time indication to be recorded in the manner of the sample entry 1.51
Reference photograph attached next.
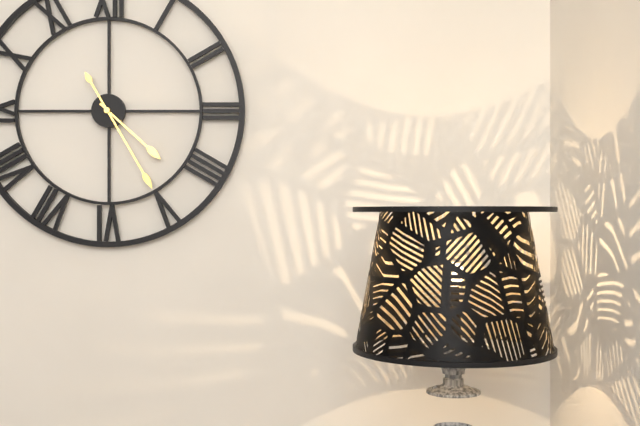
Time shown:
4.25
